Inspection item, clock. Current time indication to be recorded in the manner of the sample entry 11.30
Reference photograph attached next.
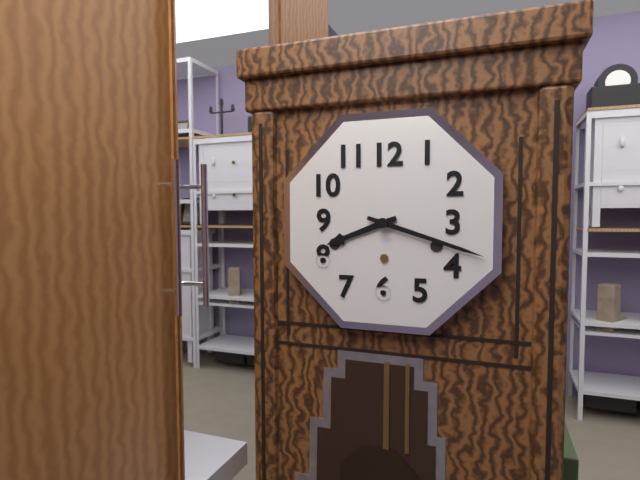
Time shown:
8.18
